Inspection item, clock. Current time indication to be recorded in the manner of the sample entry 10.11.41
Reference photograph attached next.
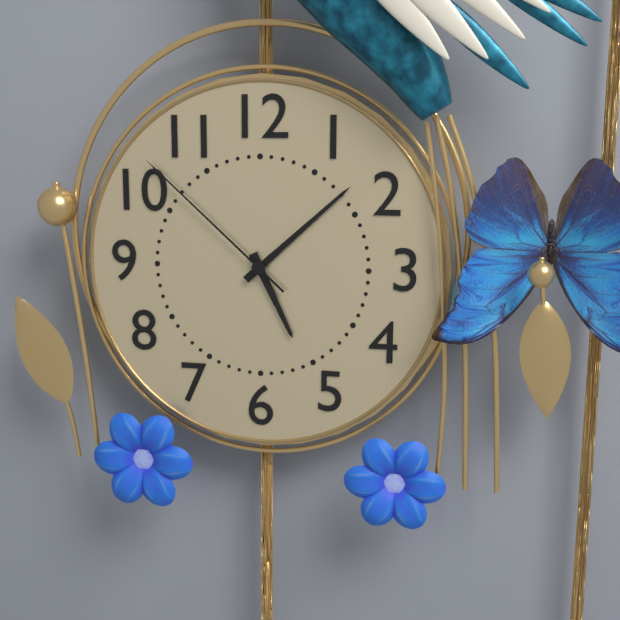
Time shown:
5.08.52
